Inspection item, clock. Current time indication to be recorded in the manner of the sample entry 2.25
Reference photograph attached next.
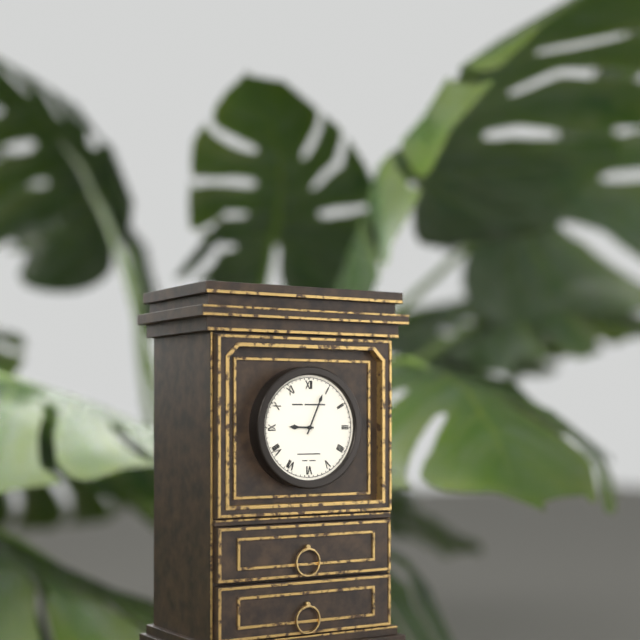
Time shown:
9.04
